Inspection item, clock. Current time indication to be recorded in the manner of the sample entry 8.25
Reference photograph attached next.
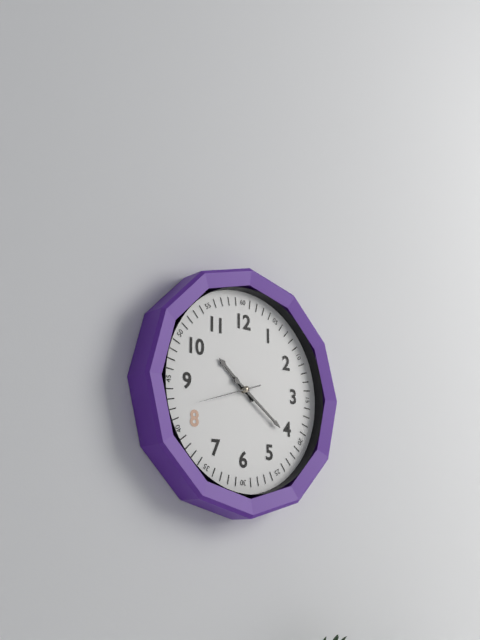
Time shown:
10.21
